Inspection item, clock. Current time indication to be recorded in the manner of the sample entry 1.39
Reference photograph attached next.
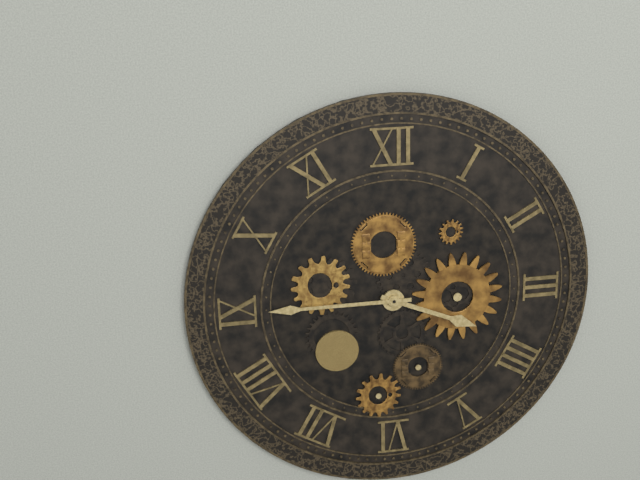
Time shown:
3.45
